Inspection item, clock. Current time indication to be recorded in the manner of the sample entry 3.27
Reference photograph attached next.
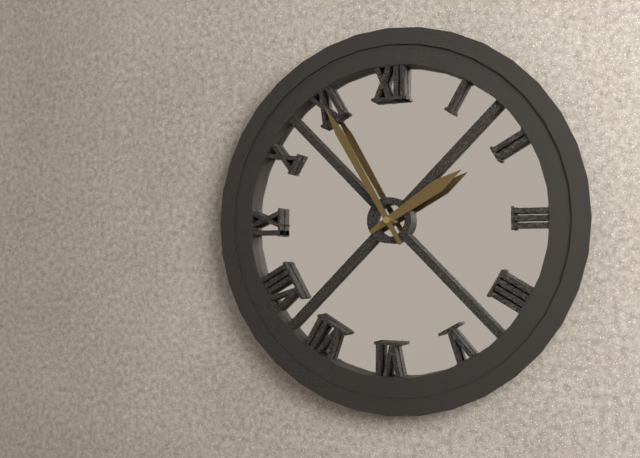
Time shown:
1.55
